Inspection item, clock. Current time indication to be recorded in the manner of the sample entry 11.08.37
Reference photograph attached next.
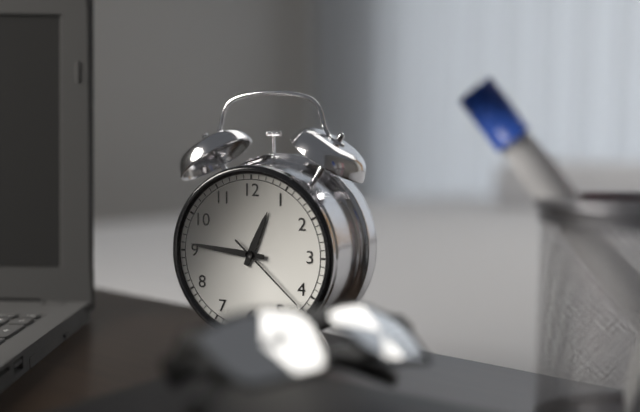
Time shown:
12.46.22
